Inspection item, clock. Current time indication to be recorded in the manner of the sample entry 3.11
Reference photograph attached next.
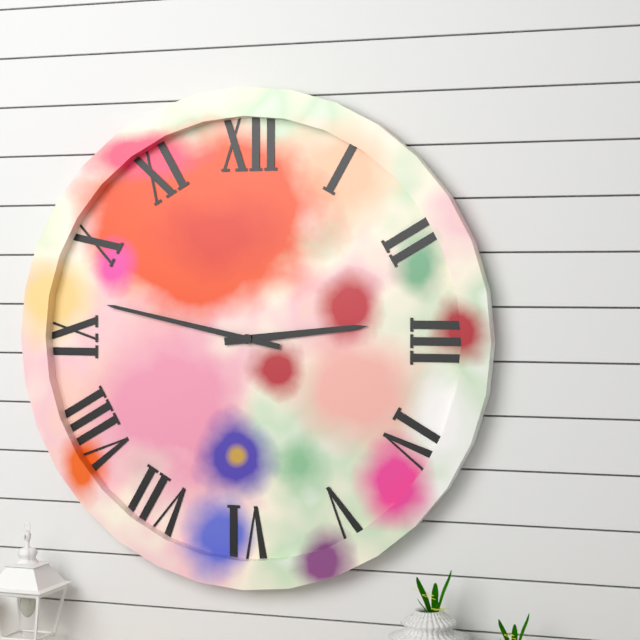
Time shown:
2.47
